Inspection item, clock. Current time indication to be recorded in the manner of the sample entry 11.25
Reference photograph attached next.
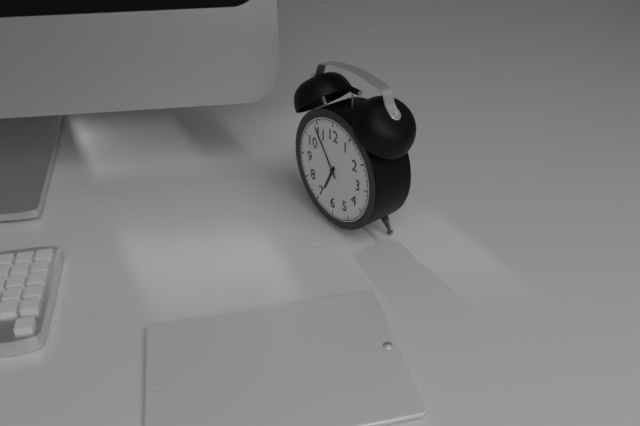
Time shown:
6.54
